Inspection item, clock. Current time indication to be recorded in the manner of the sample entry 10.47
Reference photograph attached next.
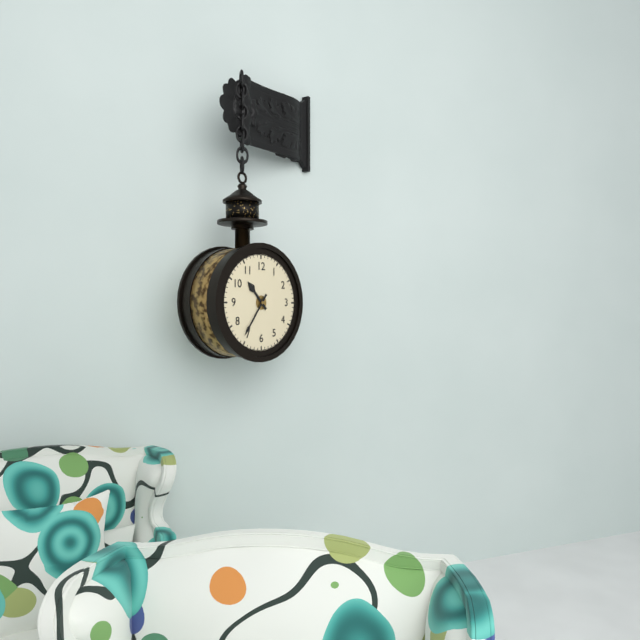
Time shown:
10.36
